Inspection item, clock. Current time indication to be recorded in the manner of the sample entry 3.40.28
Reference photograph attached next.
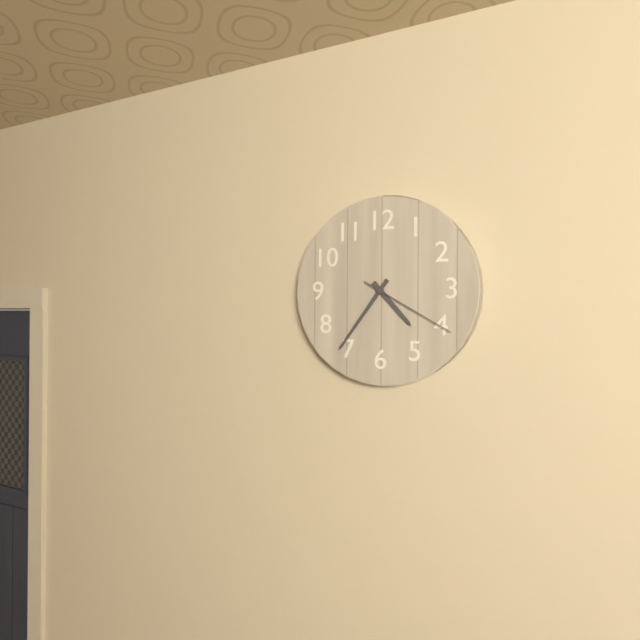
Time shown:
4.36.20
